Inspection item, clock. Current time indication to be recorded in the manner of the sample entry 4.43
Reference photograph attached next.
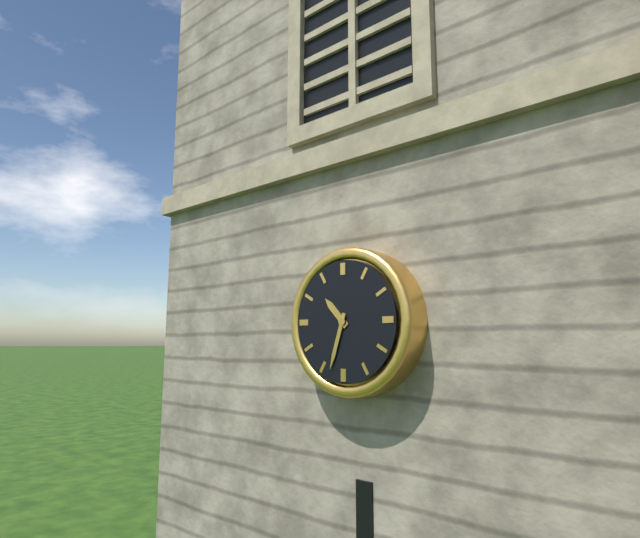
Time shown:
10.33
